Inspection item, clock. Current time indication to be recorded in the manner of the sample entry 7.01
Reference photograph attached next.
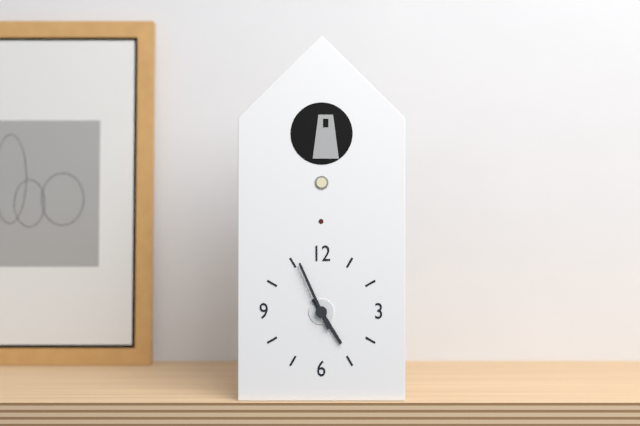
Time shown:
4.56
